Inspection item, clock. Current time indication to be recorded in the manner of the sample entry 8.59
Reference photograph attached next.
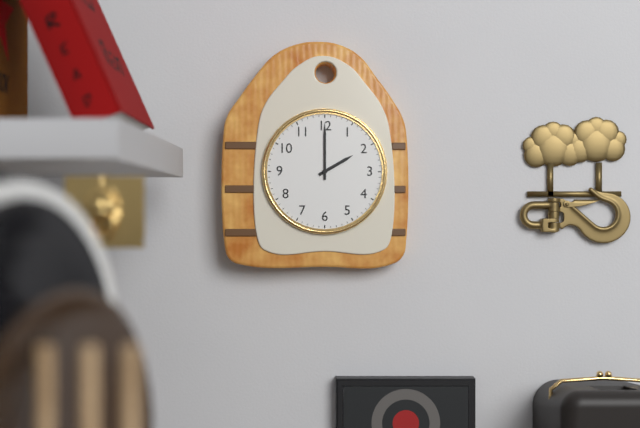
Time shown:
2.00
